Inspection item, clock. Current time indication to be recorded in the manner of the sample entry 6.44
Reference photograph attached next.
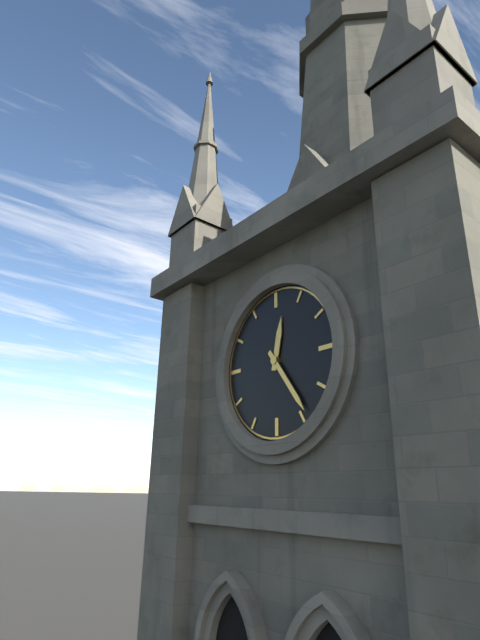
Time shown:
12.24
